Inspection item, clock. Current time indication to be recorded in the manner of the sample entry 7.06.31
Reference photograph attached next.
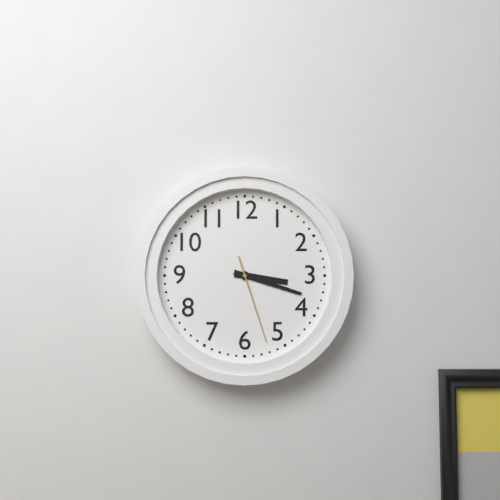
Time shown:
3.18.27
